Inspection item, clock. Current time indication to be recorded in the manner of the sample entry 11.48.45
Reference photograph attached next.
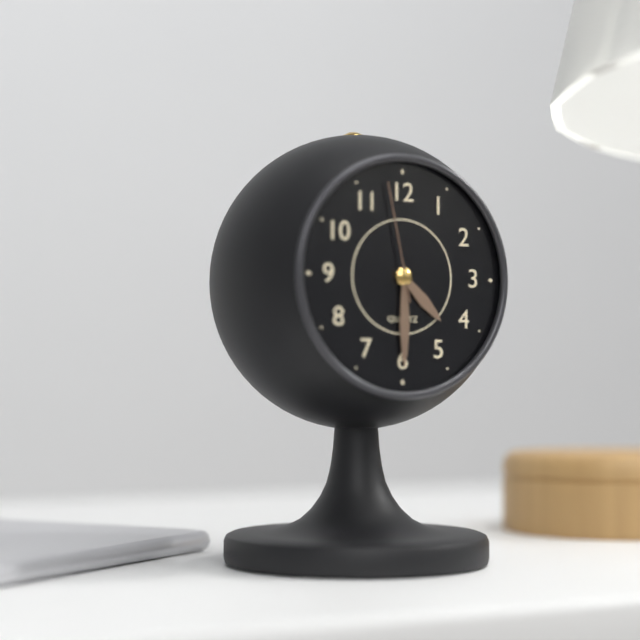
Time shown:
4.30.58
